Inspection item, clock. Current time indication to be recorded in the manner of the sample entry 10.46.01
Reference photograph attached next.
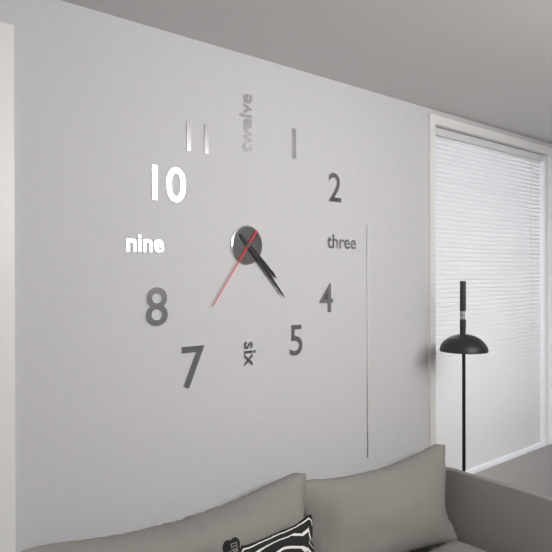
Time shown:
4.23.36
